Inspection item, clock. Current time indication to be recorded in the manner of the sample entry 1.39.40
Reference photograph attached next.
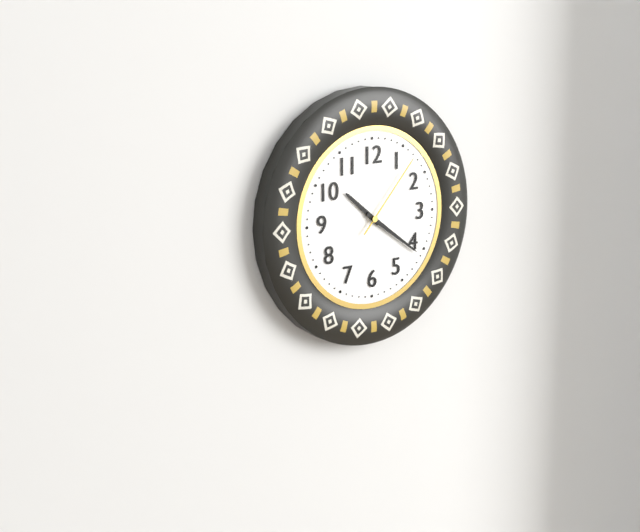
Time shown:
10.21.07
